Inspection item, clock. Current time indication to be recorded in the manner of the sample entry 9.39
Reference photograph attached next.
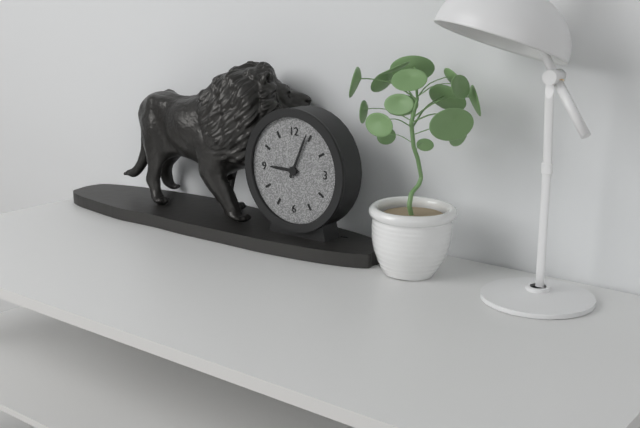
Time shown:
9.04
